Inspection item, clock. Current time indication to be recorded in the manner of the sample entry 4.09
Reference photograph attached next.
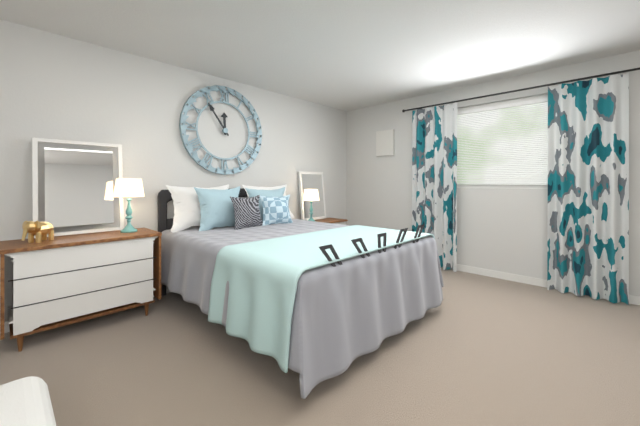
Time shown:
11.54
